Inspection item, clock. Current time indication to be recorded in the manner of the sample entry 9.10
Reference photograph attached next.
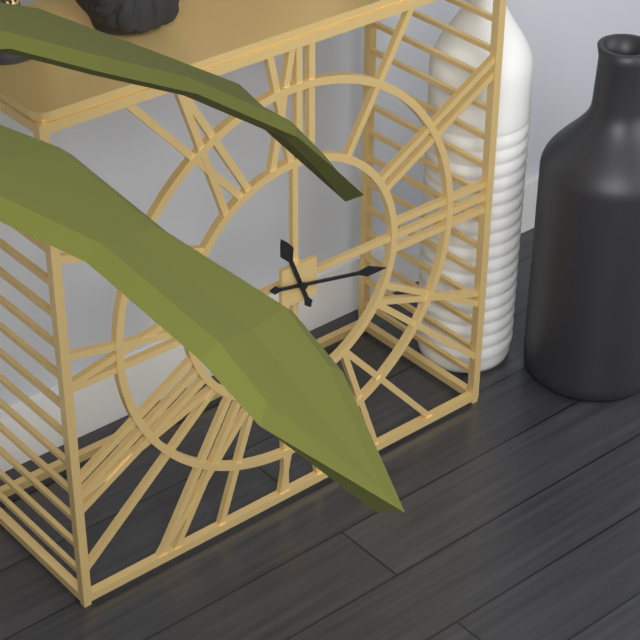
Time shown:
11.17
